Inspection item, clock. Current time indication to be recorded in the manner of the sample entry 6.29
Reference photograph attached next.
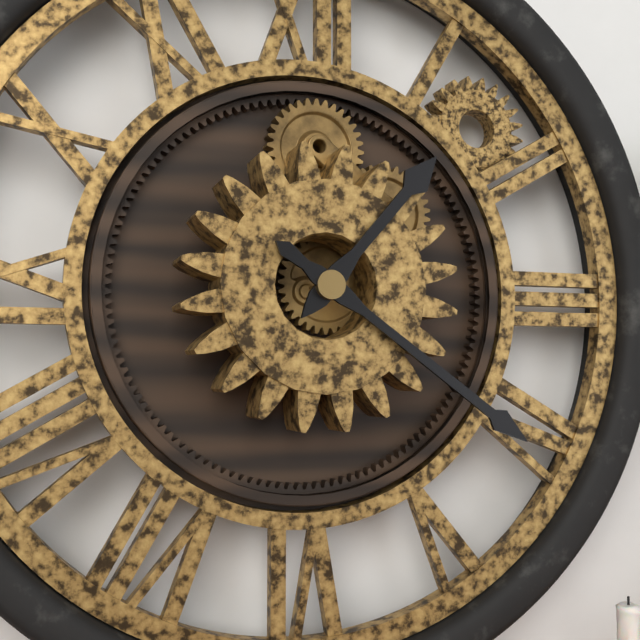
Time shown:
1.21
